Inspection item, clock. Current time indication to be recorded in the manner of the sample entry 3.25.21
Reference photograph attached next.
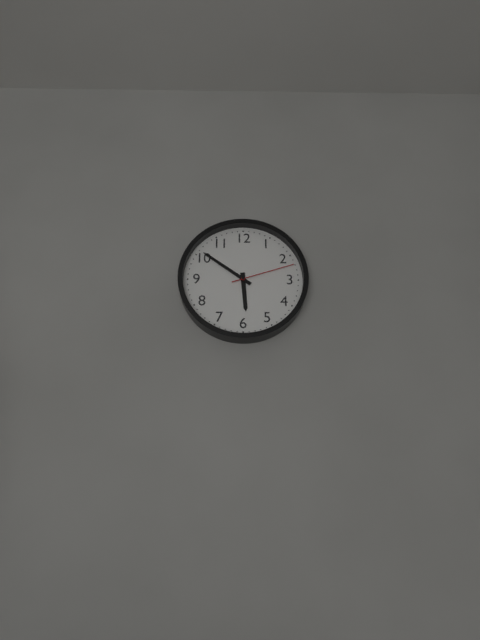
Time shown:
5.51.12
